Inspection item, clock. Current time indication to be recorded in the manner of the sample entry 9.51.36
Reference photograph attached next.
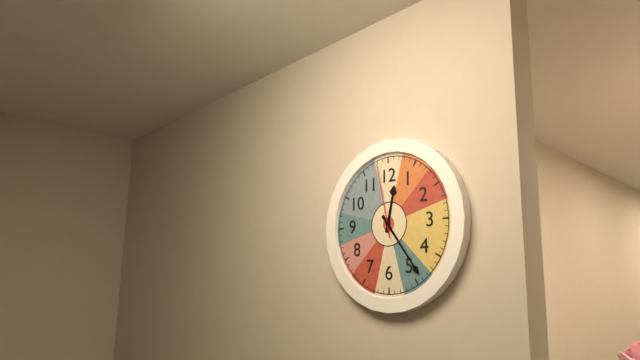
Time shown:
12.24.58
